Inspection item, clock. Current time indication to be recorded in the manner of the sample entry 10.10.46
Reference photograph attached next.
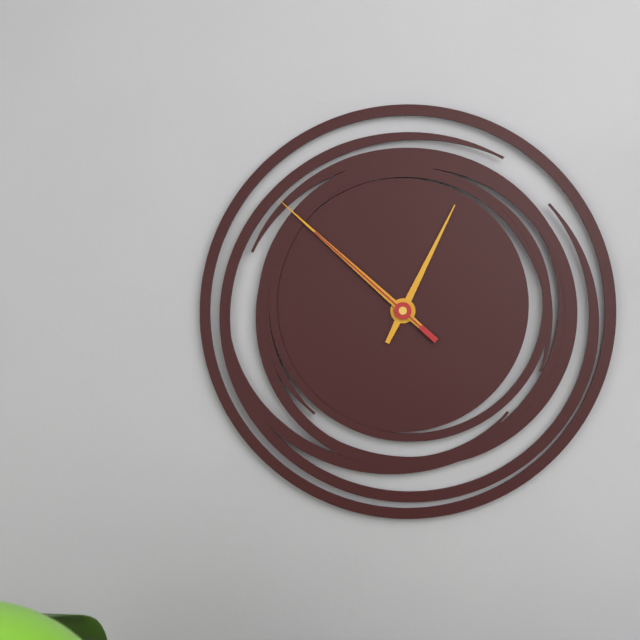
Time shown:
12.52.52
